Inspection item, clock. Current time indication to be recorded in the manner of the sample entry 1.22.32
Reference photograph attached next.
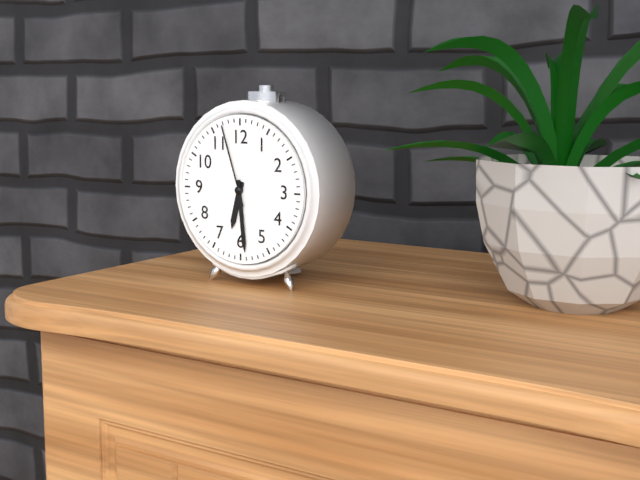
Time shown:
6.29.57
